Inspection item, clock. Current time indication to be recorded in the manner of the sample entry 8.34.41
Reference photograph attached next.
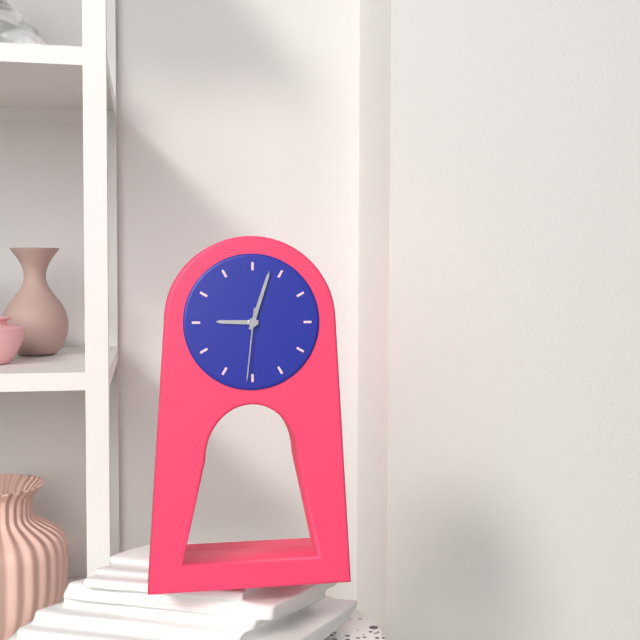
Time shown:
9.03.31
